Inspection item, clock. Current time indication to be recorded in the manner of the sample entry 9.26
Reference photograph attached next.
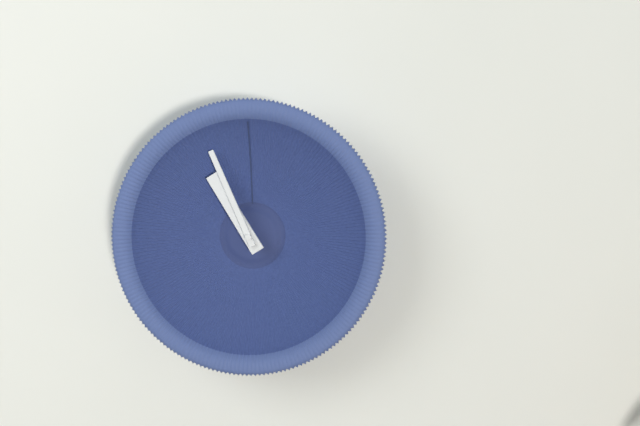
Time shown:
10.56
